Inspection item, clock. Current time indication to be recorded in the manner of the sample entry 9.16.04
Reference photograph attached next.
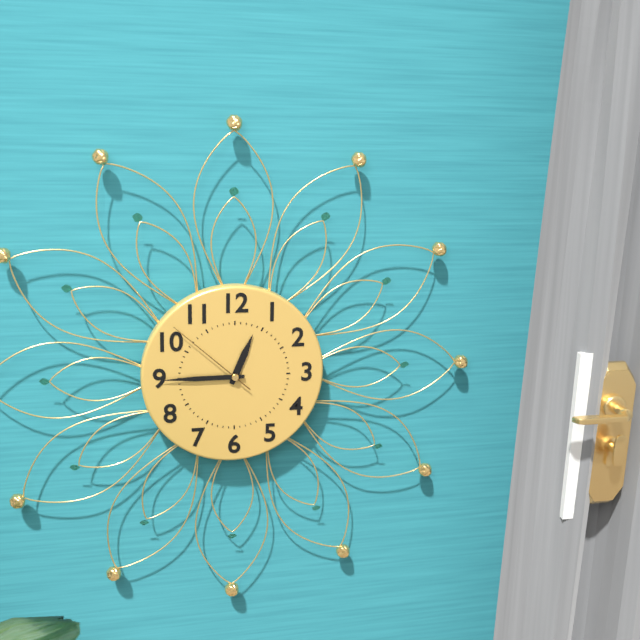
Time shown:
12.45.52
